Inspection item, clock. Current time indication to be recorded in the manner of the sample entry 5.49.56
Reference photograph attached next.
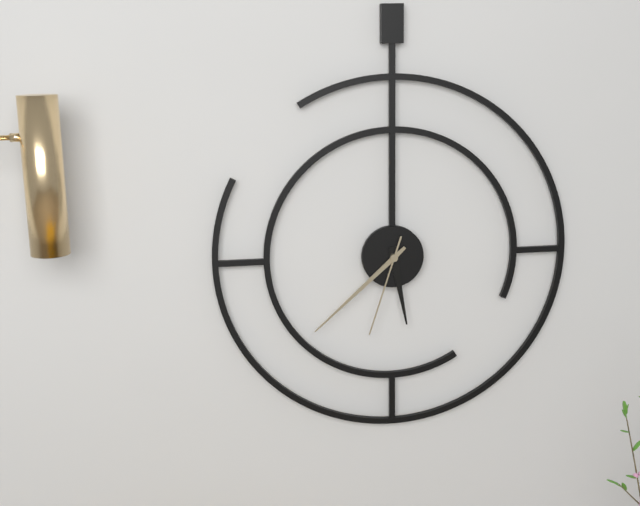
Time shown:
5.38.33
